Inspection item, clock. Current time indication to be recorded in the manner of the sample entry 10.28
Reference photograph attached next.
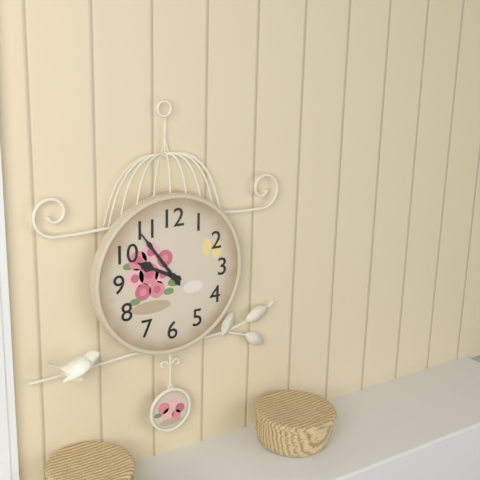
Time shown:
9.54
